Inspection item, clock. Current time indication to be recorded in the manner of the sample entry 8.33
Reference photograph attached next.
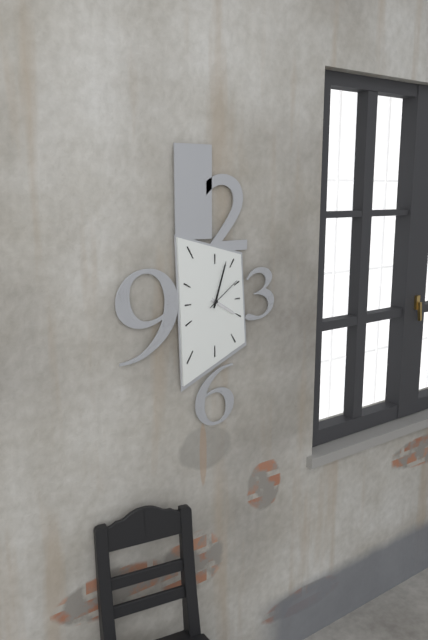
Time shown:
4.03
